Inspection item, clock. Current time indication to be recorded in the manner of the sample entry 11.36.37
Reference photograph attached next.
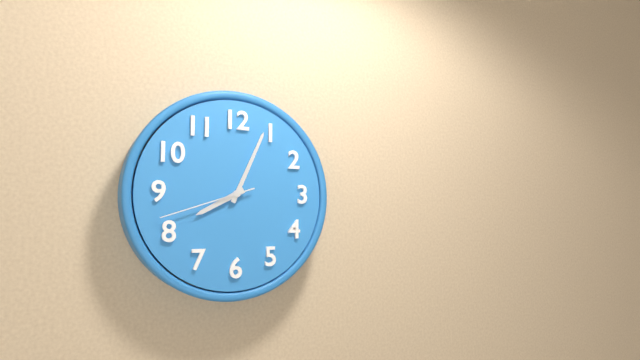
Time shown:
8.04.42
